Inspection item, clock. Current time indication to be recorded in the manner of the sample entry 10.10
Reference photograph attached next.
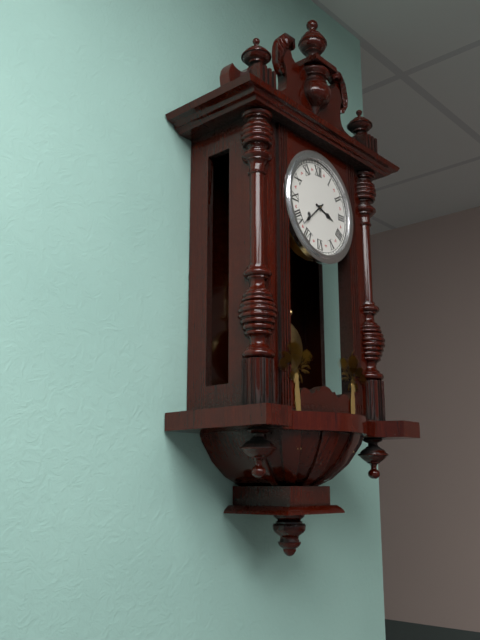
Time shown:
3.38
